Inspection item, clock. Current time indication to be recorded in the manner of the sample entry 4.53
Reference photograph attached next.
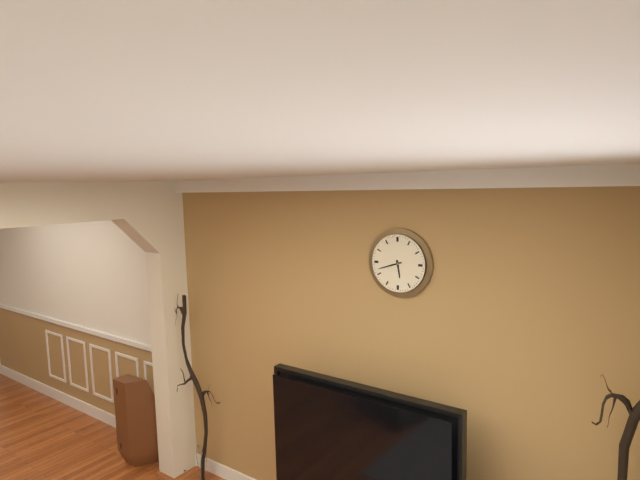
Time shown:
5.42
